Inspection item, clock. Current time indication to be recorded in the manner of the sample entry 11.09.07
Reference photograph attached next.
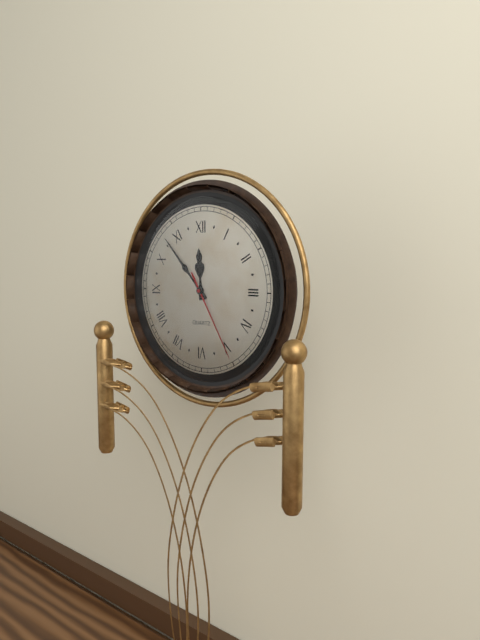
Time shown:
11.53.25
